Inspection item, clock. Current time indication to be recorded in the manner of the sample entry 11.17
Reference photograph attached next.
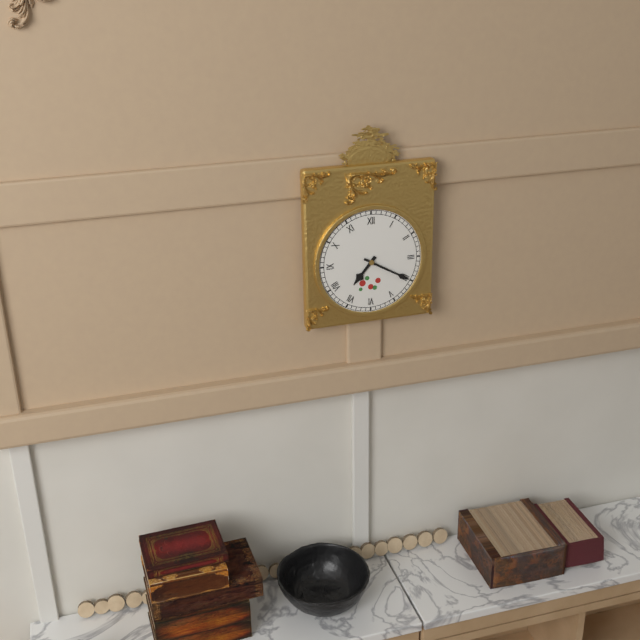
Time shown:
7.20
